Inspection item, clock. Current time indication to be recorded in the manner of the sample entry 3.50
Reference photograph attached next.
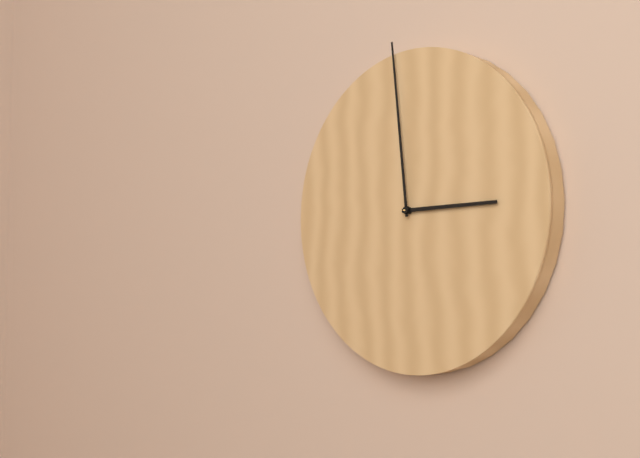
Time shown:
2.59
